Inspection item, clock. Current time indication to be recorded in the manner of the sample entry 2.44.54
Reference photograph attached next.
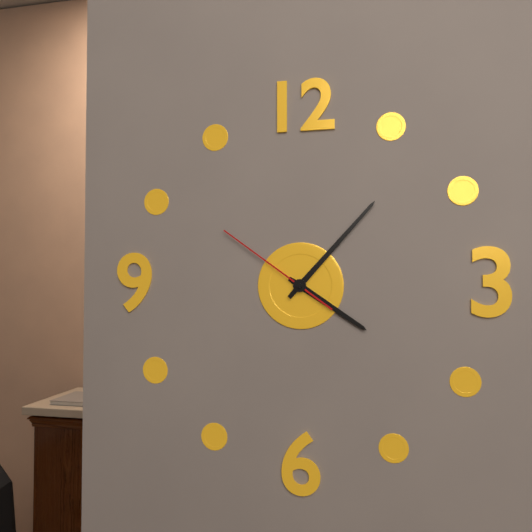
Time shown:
4.07.51
